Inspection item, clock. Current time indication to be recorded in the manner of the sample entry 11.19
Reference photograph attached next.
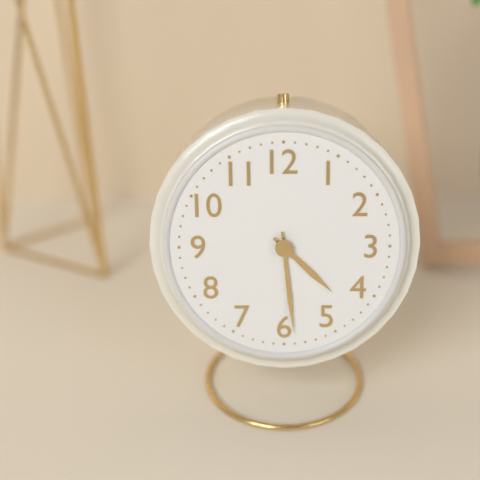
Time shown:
4.29
